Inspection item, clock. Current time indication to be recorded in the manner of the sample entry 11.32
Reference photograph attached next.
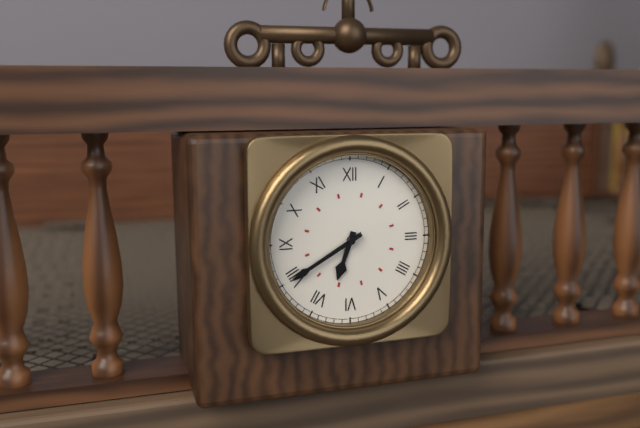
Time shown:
6.40
